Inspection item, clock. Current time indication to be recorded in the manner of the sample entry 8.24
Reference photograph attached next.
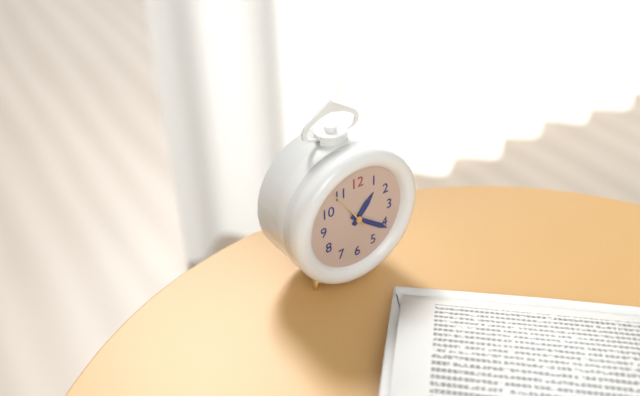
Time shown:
1.21
